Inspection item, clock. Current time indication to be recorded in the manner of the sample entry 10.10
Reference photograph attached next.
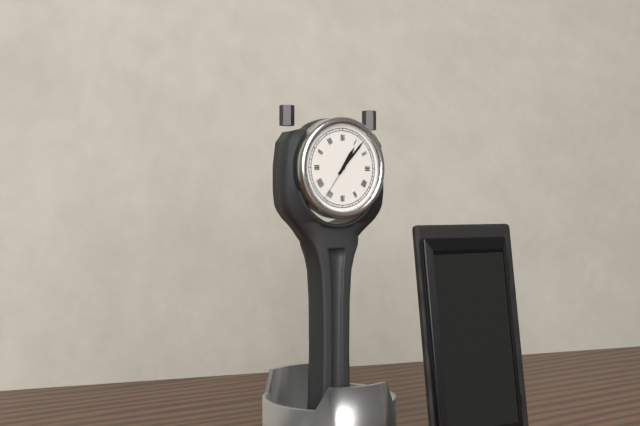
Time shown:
1.07
